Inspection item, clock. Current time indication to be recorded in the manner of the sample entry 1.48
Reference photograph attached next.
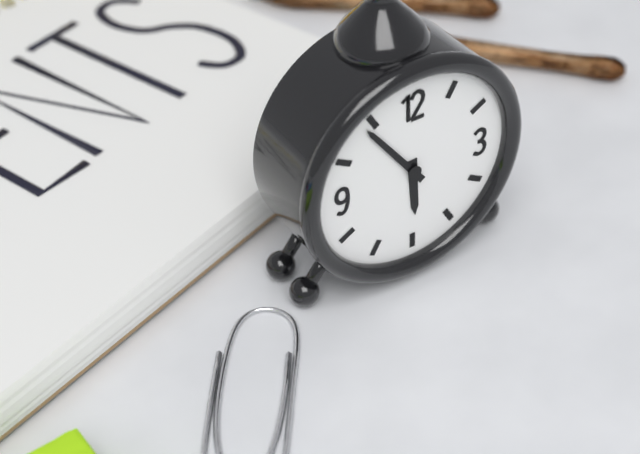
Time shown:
5.54
